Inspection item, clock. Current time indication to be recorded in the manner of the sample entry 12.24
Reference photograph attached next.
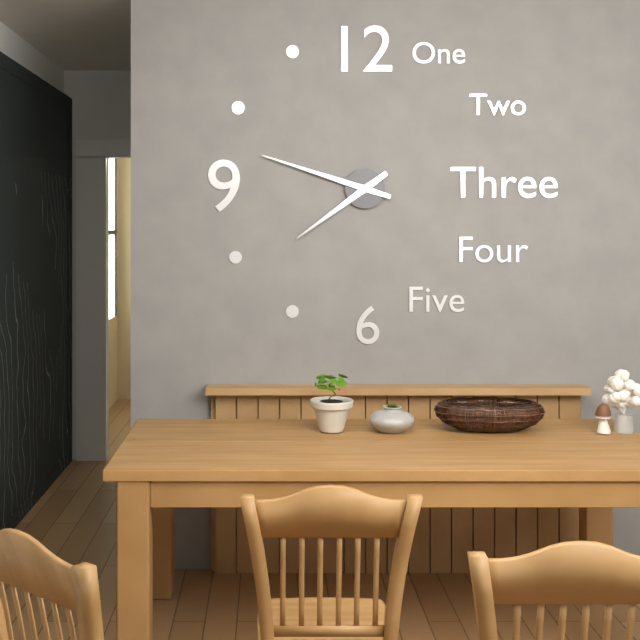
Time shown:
7.48
